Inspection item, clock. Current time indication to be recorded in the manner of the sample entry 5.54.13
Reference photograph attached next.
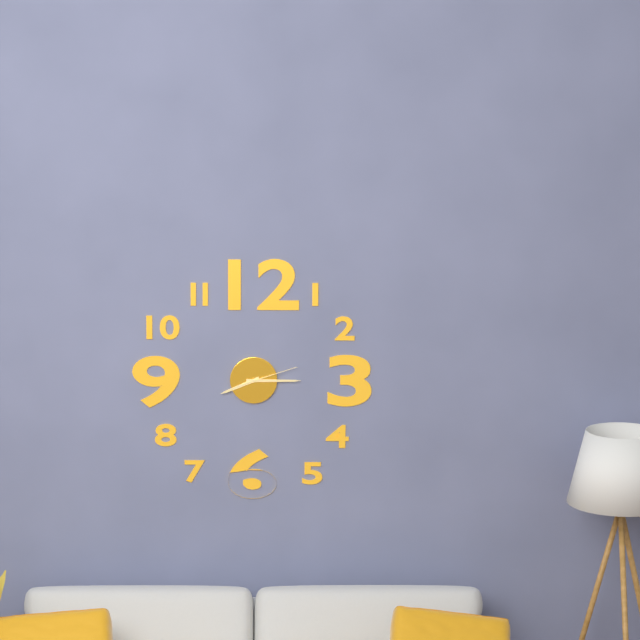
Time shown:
8.15.12
